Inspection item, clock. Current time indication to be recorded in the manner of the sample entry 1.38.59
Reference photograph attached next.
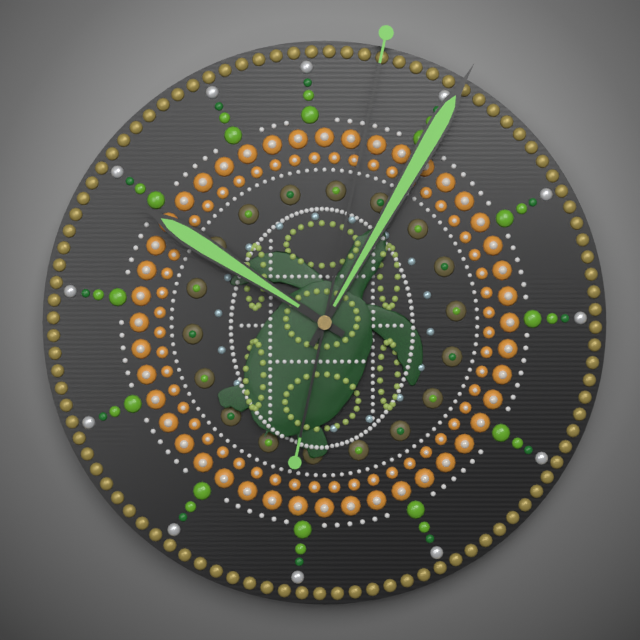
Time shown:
10.05.02
